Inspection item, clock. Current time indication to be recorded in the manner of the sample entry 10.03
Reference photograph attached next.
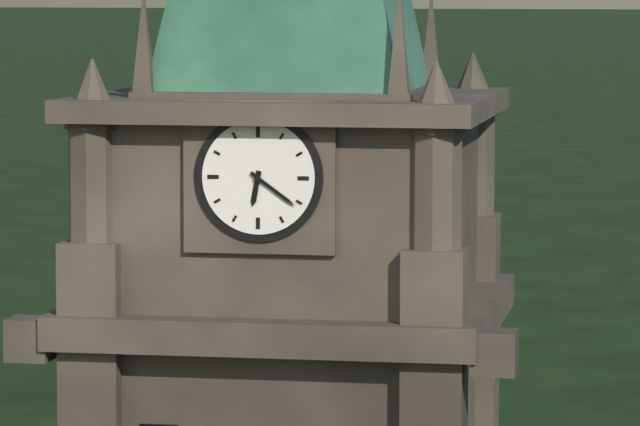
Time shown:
6.21
